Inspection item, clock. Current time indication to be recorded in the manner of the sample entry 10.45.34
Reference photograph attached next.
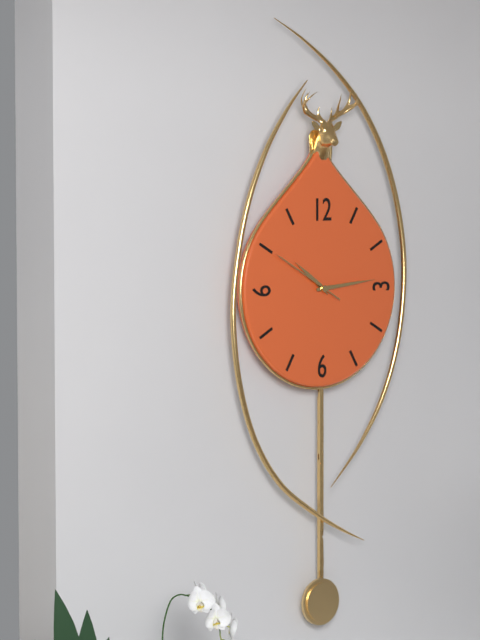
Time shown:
10.14.50
